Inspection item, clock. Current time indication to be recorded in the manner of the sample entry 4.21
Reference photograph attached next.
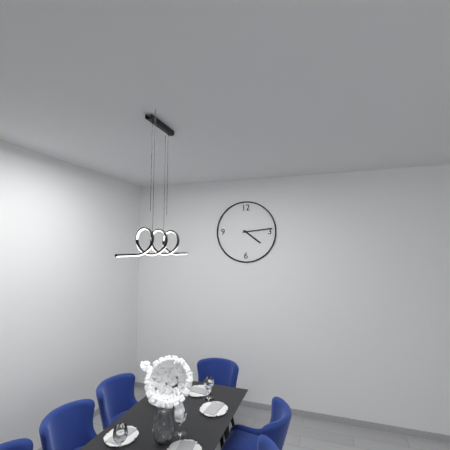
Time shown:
4.14
